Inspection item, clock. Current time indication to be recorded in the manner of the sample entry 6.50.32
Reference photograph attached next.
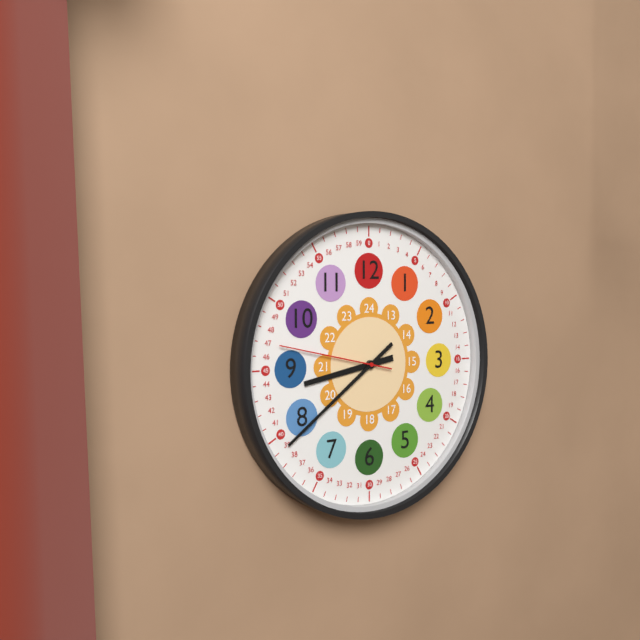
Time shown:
8.39.47
